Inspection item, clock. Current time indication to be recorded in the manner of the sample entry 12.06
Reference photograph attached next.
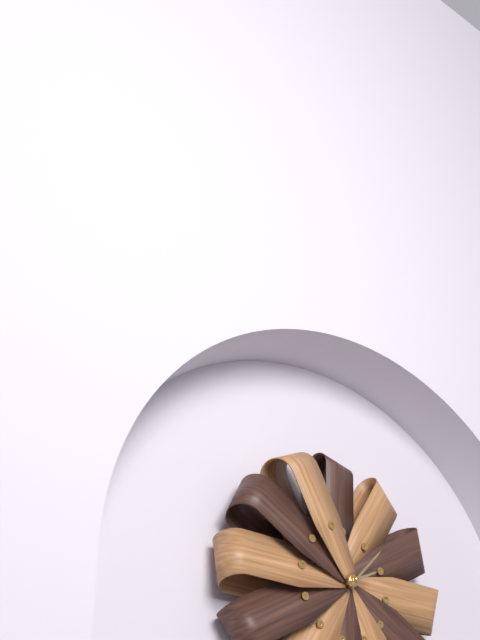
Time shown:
2.07
